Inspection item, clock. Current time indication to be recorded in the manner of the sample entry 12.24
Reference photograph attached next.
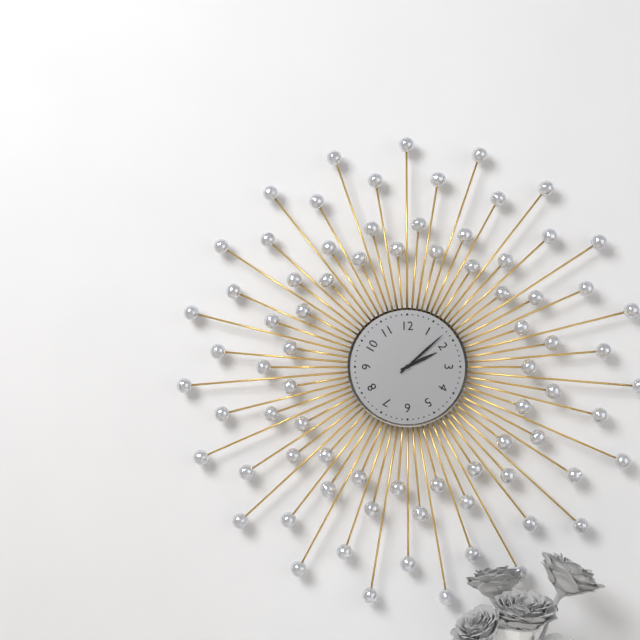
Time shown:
2.08
